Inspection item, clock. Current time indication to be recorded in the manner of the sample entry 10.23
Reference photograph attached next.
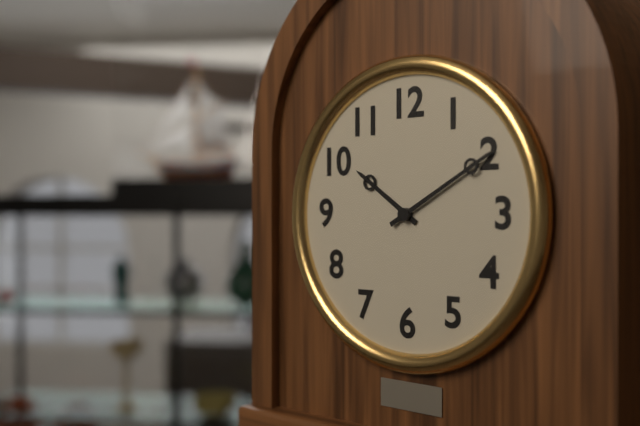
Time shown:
10.10
